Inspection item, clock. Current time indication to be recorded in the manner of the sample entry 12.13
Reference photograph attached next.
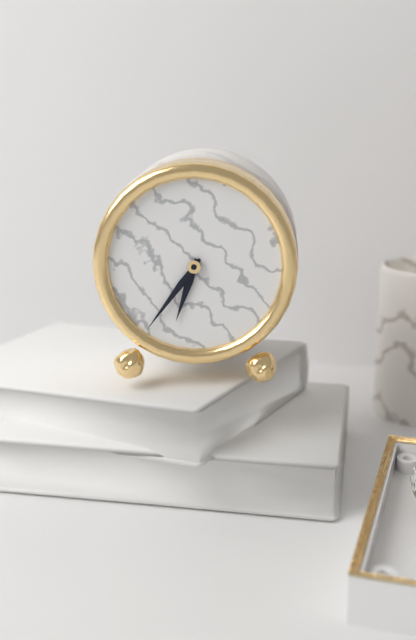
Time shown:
6.36
